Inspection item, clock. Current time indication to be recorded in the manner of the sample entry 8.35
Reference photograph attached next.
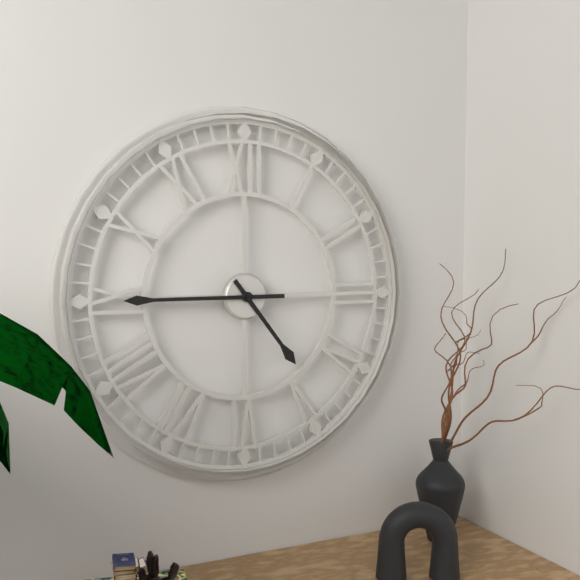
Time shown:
4.45
